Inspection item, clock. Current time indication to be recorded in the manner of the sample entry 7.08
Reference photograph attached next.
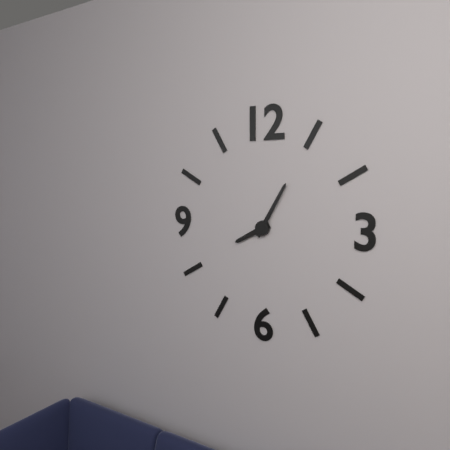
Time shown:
8.05
